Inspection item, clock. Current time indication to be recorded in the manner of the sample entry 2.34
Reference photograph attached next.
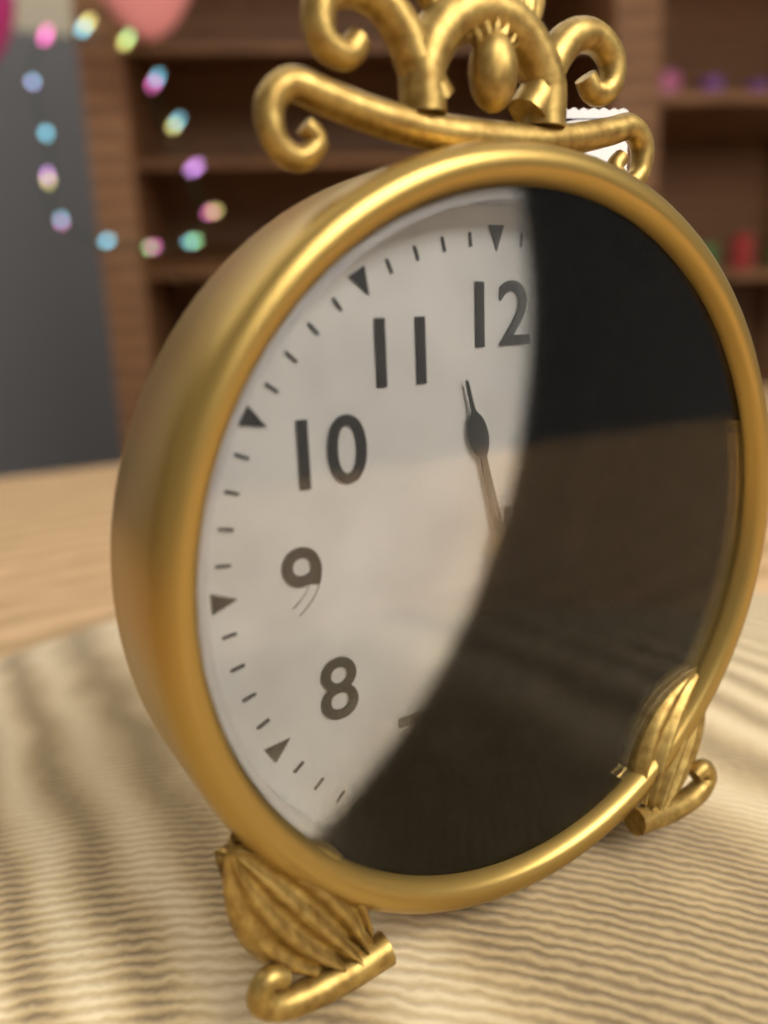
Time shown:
11.32
